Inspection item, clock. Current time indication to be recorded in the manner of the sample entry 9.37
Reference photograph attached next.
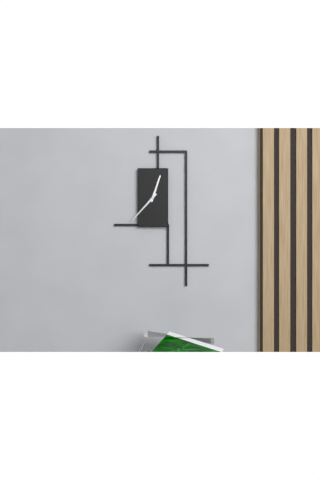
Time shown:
12.37
